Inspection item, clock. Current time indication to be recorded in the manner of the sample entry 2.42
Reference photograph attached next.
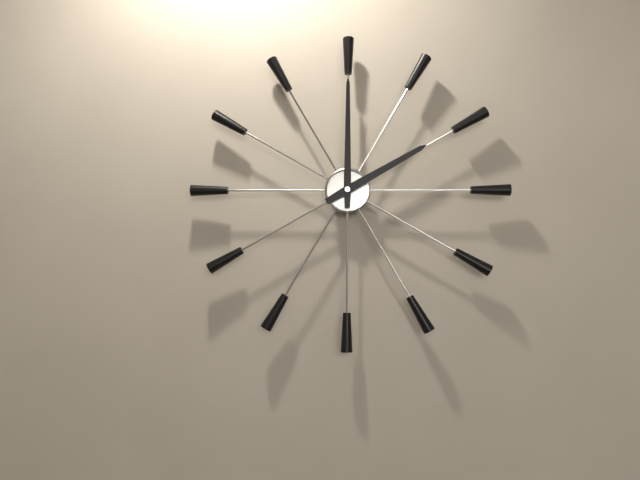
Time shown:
2.00
